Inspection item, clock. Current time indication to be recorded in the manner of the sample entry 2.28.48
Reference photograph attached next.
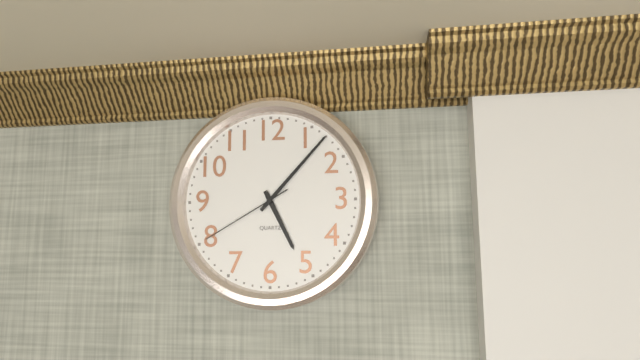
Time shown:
5.07.40
